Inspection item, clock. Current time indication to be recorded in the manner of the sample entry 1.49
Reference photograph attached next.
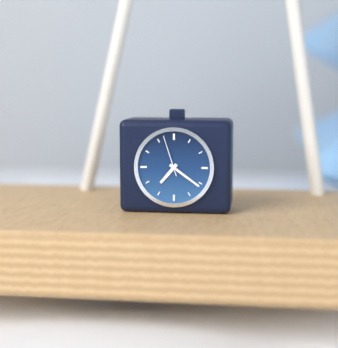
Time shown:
7.21
